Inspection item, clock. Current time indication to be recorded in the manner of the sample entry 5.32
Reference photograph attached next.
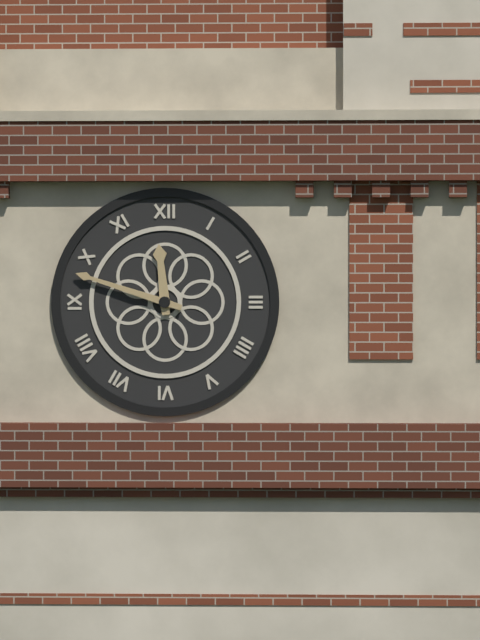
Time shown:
11.48
